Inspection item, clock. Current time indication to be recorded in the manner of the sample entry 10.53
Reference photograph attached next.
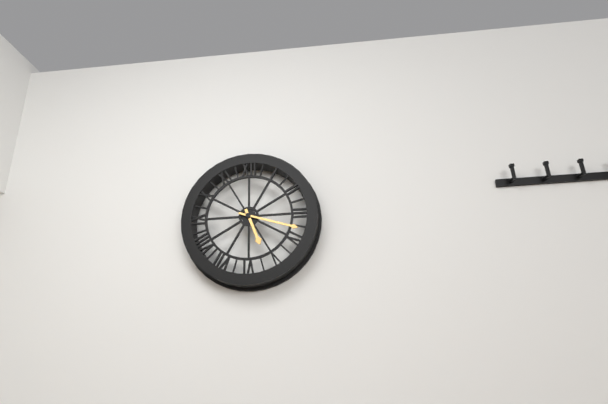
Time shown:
5.18
